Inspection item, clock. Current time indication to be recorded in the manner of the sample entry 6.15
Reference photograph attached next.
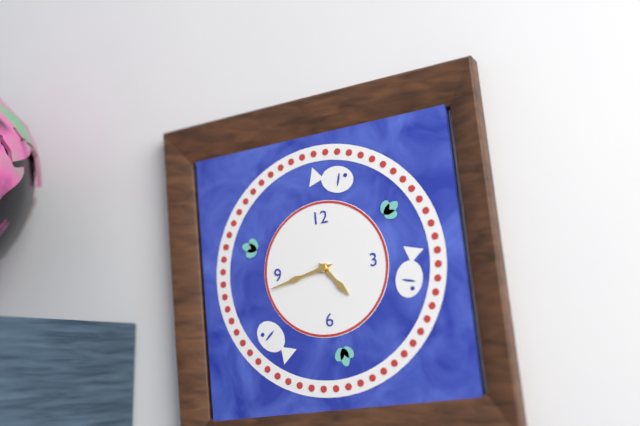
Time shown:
4.43
